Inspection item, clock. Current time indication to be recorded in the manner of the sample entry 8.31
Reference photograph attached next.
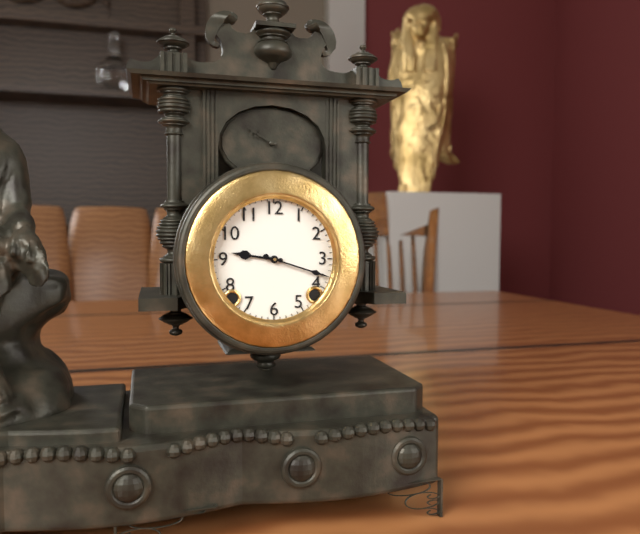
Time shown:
9.18
